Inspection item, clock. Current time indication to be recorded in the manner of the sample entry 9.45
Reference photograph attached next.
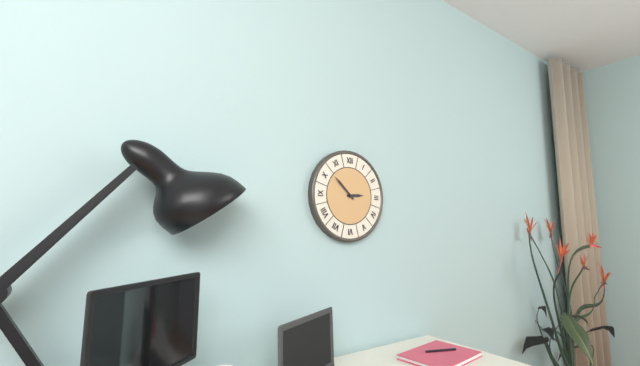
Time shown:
2.52
